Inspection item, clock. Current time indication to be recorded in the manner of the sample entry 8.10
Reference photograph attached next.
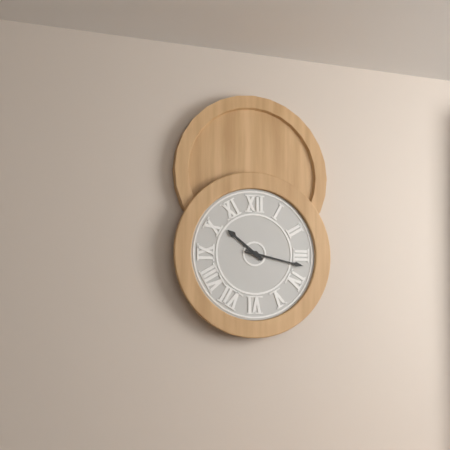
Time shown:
10.17
